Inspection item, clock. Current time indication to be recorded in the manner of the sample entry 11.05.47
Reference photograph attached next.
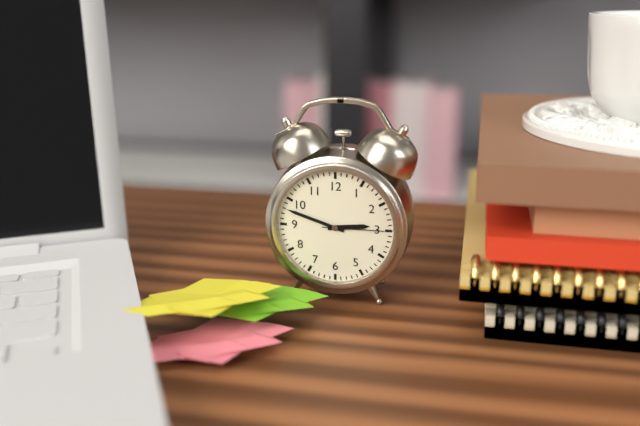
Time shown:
2.48.15
